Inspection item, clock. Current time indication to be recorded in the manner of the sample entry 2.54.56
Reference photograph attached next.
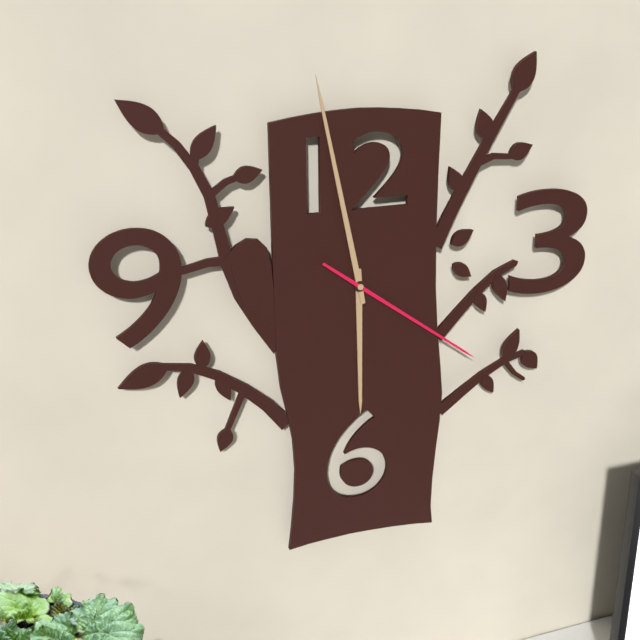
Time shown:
5.58.21
